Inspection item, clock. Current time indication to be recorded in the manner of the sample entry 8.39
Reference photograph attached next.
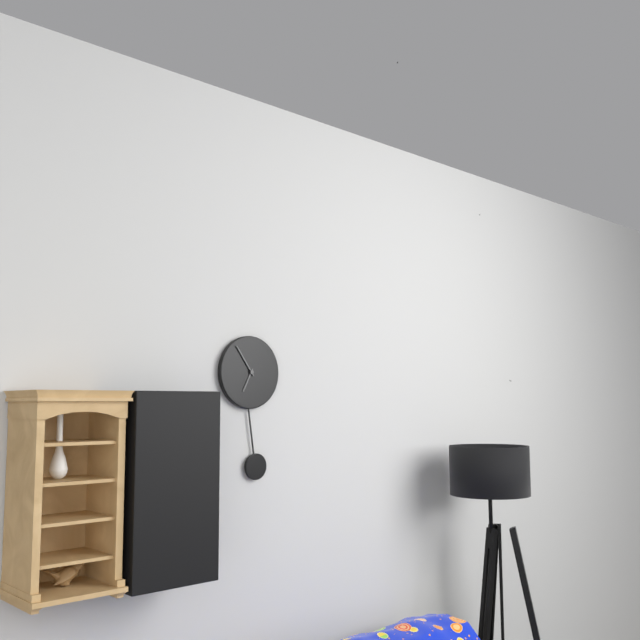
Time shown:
6.54
